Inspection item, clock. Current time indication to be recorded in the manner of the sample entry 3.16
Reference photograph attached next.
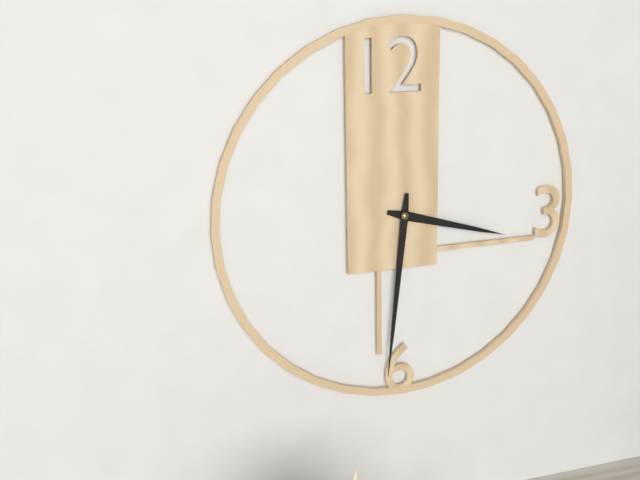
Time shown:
3.31
